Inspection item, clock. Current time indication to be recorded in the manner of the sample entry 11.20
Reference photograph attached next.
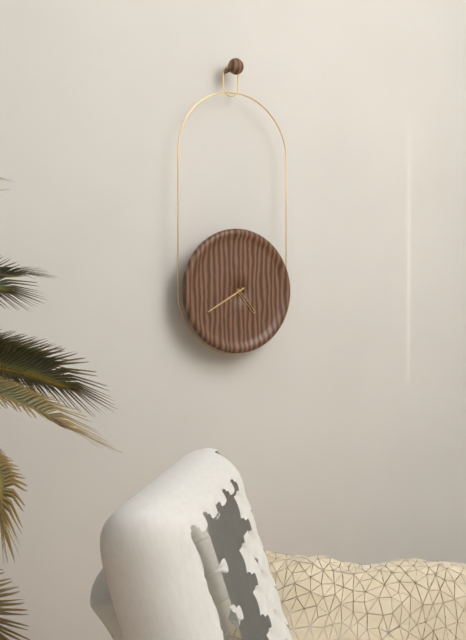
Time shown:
4.40
